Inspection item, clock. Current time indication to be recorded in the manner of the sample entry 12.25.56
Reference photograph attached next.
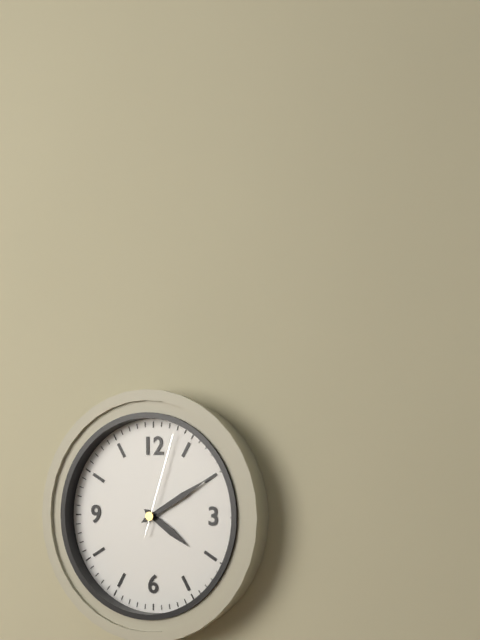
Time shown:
4.10.03
